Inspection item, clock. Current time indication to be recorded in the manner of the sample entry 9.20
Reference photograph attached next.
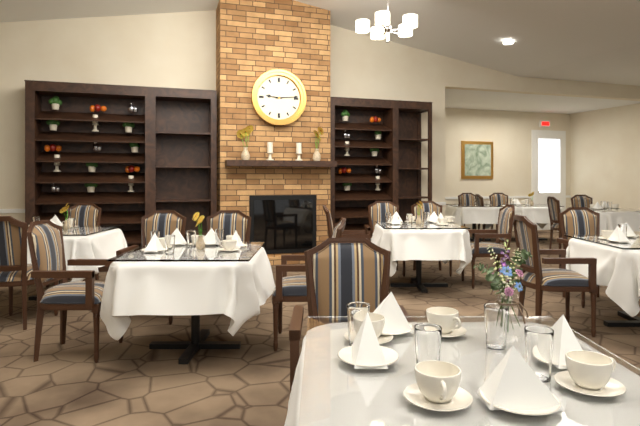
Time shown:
9.14
